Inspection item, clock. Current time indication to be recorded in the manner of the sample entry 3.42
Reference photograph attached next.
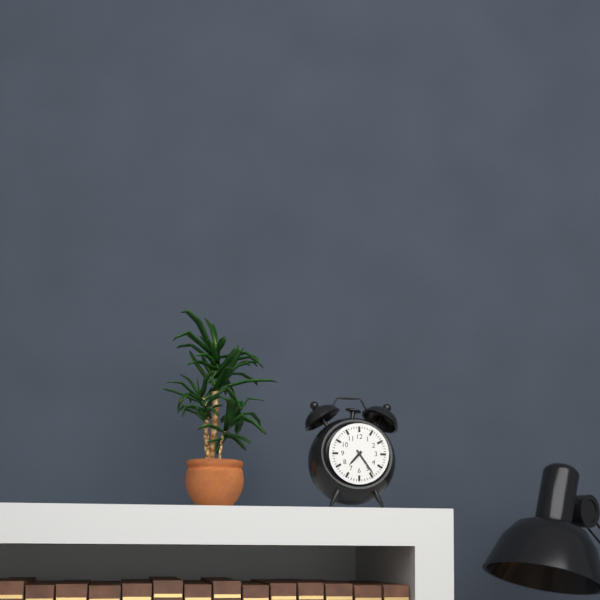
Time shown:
7.24
